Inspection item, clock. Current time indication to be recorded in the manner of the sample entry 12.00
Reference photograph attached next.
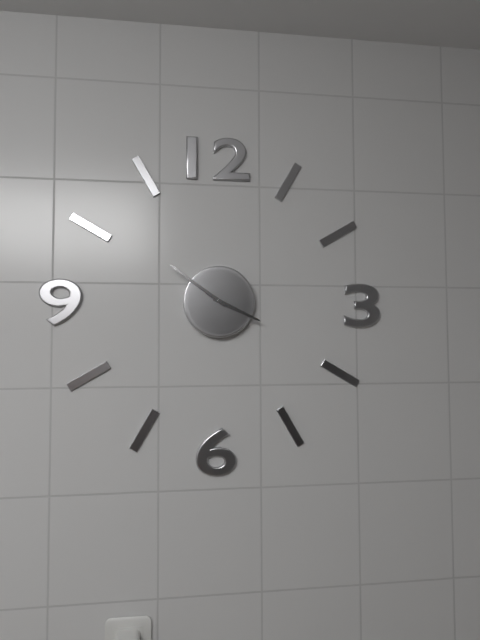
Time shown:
3.51
